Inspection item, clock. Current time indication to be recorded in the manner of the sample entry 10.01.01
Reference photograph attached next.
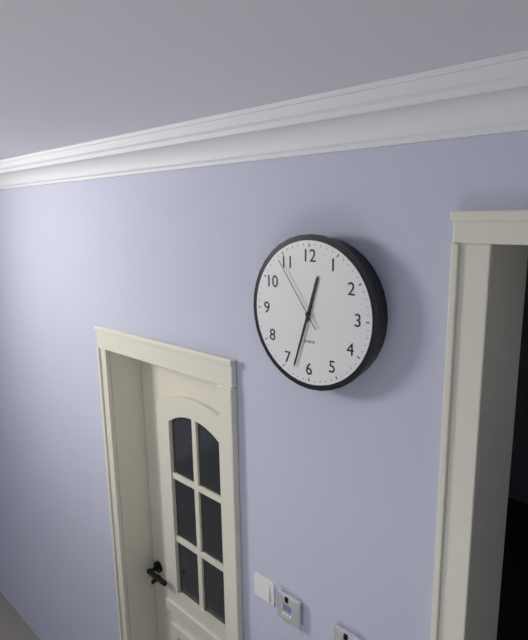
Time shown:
12.33.54
